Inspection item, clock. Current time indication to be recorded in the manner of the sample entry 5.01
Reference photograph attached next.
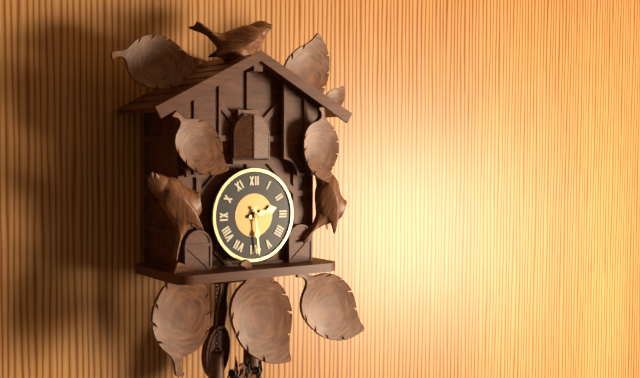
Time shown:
2.29
